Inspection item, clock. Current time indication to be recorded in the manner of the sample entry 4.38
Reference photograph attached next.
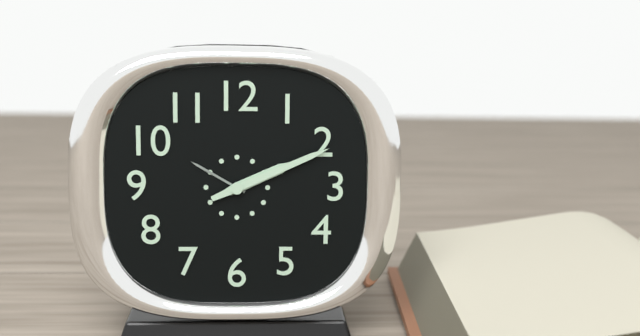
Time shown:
2.11
